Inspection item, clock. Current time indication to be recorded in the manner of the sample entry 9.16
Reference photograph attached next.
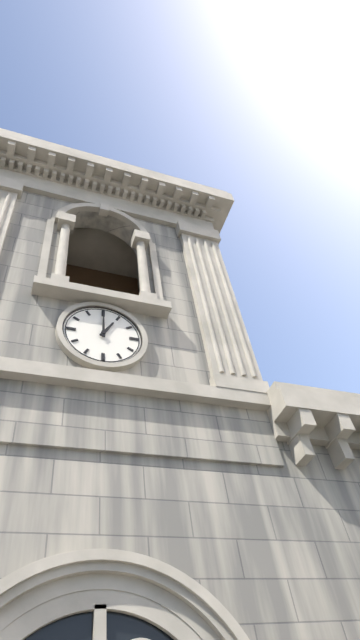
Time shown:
1.00
